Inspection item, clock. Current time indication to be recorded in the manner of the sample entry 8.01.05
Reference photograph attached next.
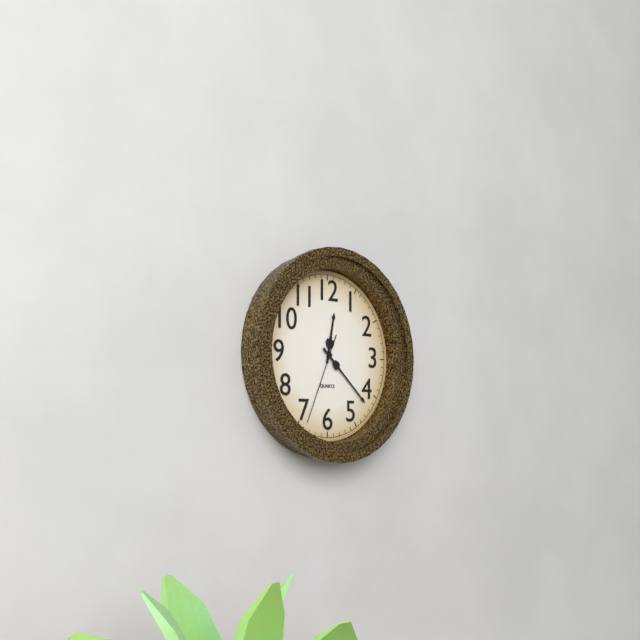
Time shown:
12.22.34
